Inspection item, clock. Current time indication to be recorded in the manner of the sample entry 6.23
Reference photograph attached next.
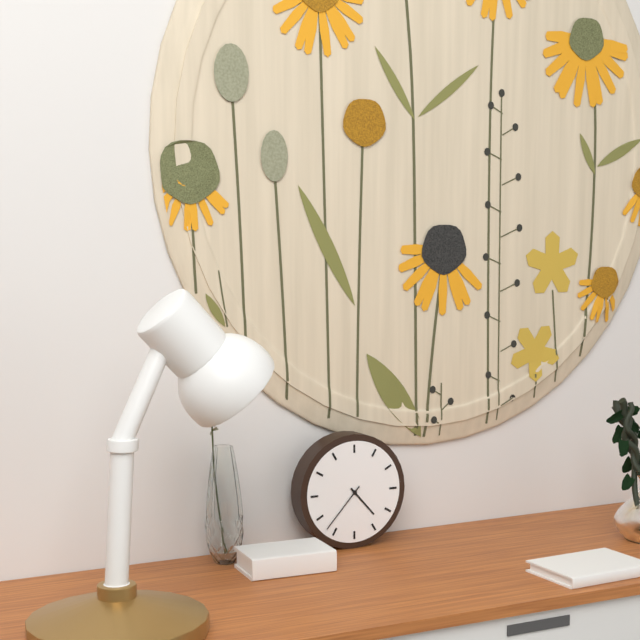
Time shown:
4.37
